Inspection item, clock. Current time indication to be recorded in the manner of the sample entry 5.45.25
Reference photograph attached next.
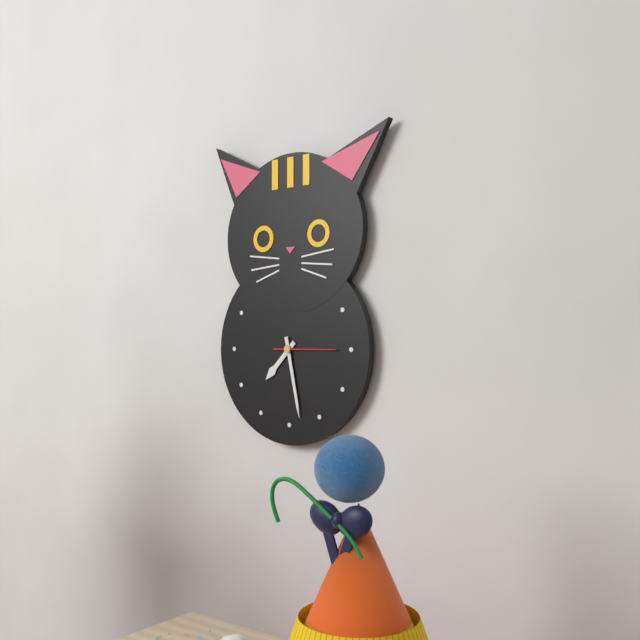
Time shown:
7.28.15
